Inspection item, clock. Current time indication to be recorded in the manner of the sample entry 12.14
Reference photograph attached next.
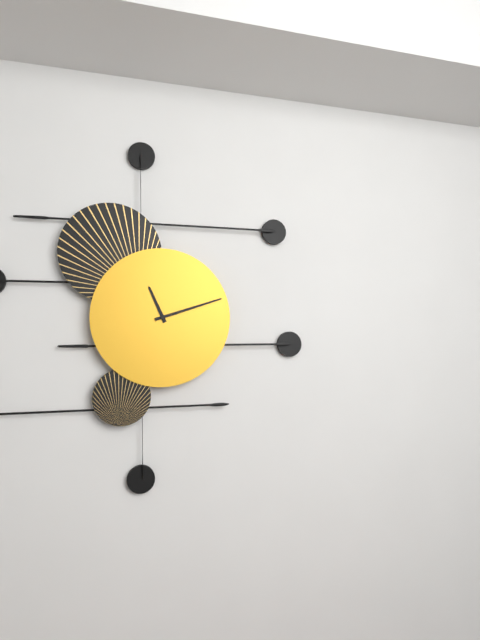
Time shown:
11.12
